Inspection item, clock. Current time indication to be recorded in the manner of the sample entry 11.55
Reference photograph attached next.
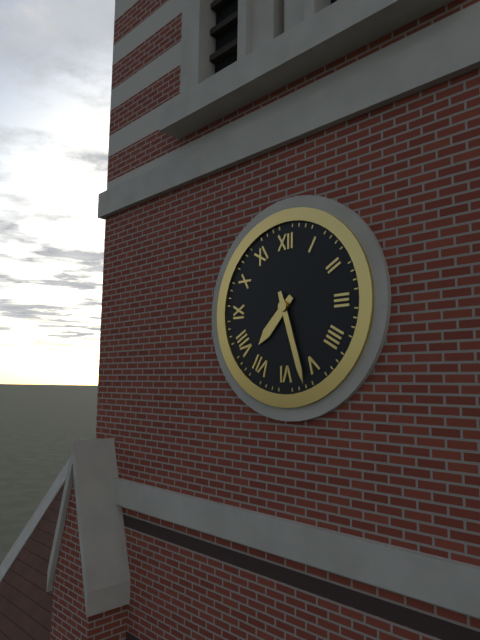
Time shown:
7.27
